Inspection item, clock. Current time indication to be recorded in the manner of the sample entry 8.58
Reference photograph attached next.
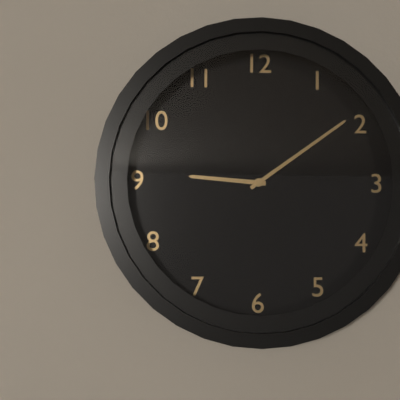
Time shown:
9.09
